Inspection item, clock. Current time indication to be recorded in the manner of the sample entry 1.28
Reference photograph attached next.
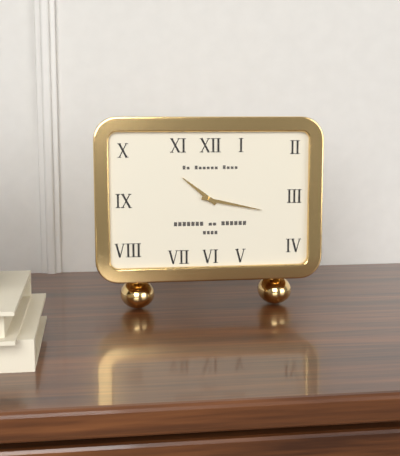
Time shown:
10.17
